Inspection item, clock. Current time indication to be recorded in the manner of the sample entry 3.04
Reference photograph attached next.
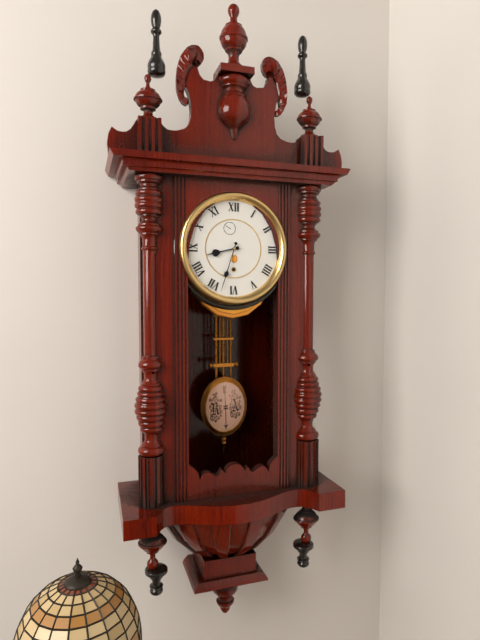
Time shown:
8.33
